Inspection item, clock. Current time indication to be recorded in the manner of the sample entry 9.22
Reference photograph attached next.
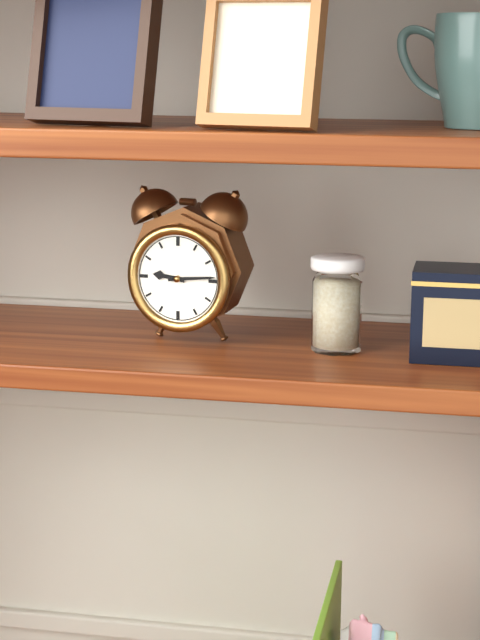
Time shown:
9.14
